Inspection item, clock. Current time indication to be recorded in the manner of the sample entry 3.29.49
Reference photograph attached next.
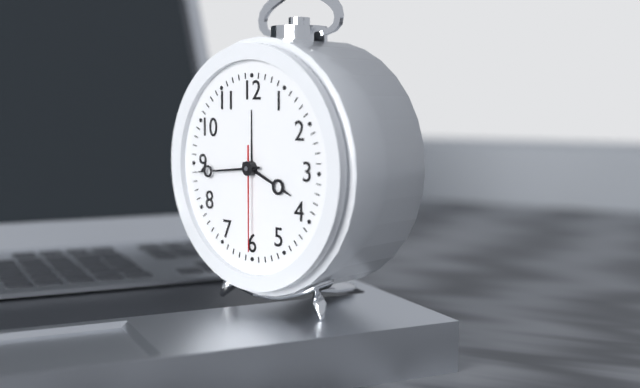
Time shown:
3.44.30
